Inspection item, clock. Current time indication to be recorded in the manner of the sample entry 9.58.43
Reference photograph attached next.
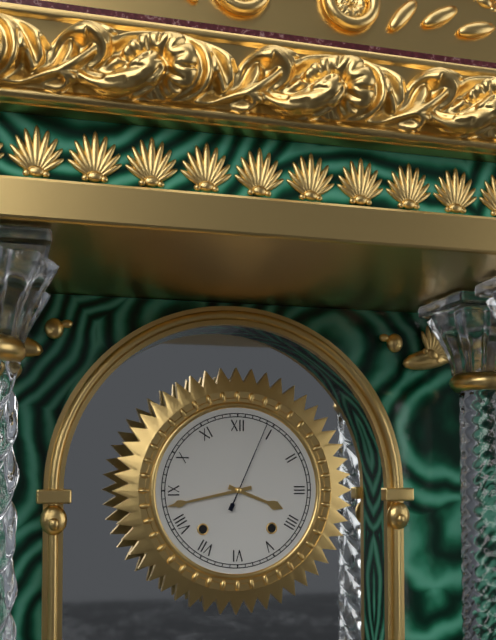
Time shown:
3.43.04
